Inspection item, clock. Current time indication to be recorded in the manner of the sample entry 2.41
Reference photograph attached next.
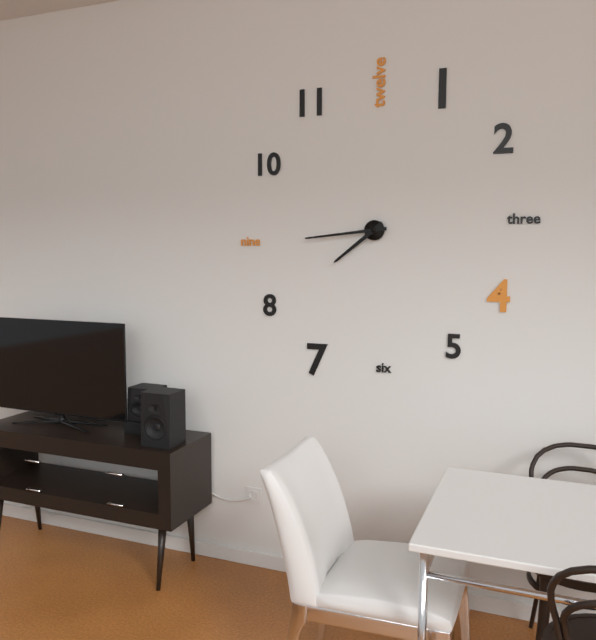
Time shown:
7.44
